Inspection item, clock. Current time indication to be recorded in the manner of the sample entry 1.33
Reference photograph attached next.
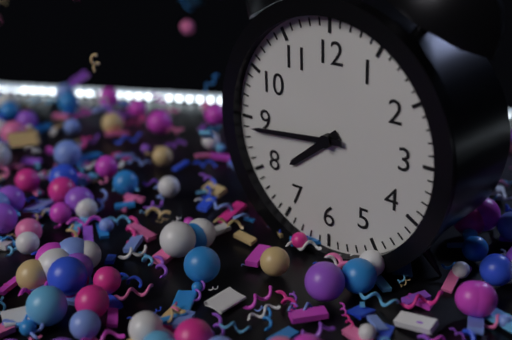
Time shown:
7.44
